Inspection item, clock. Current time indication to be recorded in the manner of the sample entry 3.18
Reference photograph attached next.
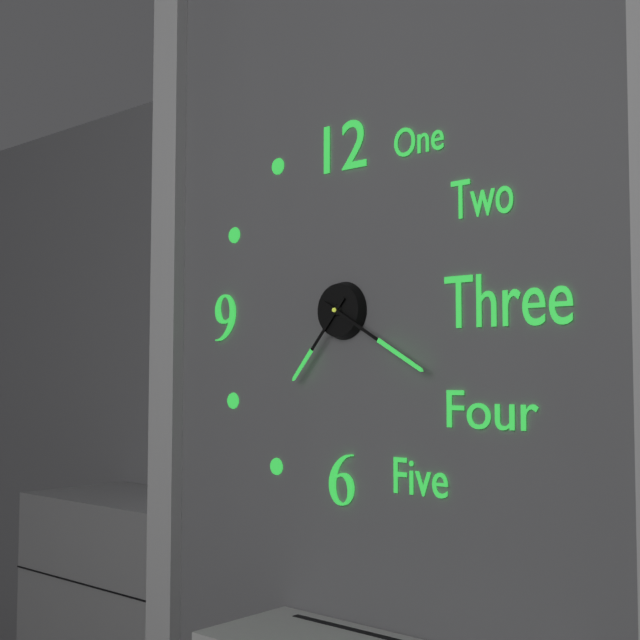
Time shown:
7.20
